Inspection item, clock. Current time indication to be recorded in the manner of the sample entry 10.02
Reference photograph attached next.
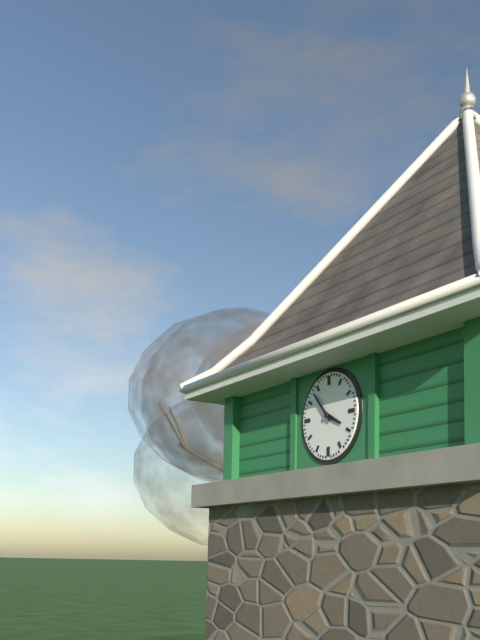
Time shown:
3.53
